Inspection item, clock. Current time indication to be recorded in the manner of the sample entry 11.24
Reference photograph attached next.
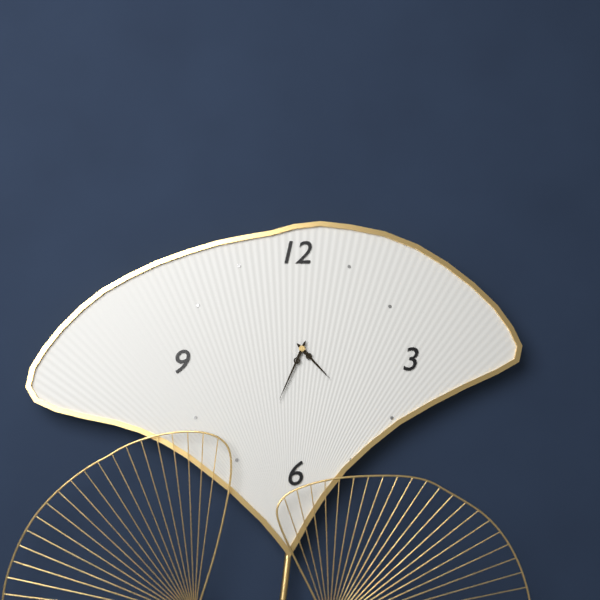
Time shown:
4.34
